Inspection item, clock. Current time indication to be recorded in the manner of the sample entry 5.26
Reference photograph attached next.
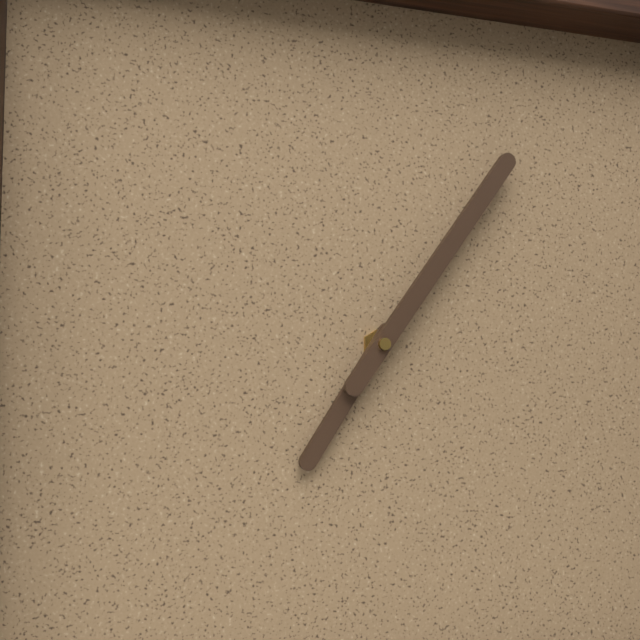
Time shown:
7.06
